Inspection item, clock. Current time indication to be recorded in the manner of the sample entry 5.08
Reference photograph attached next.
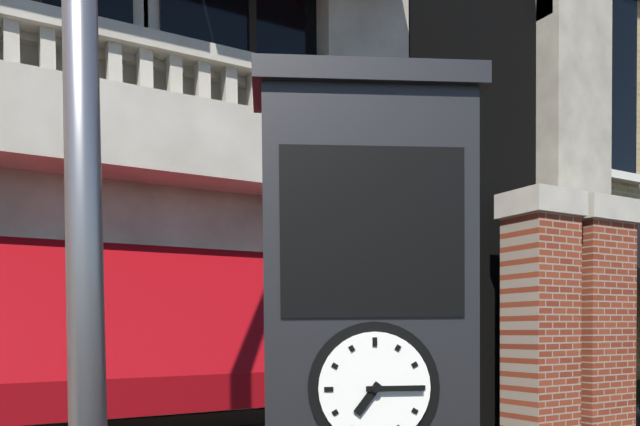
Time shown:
7.15
